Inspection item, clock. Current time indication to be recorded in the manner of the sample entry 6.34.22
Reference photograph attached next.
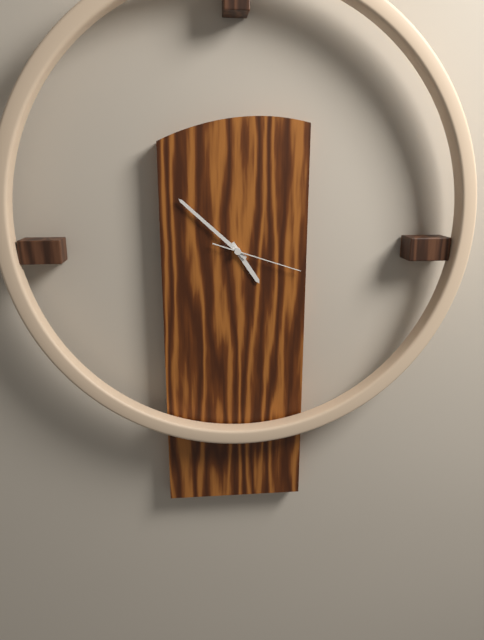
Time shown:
4.52.18
